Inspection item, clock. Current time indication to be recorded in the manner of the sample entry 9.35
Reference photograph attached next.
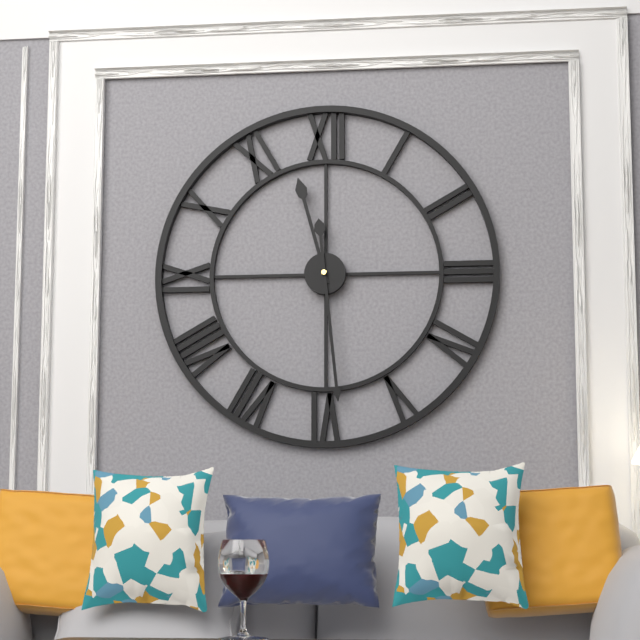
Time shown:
11.29
